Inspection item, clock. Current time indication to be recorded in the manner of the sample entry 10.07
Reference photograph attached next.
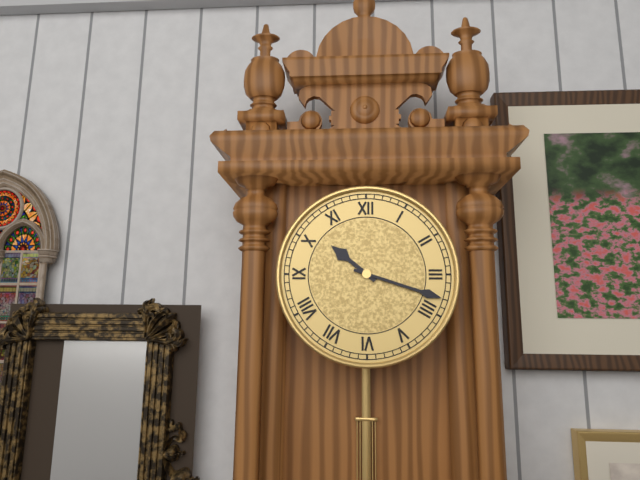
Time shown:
10.18
